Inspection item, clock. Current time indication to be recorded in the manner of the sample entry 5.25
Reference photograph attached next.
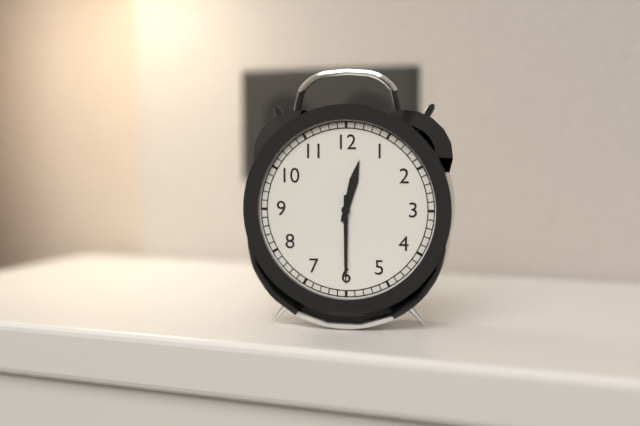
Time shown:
12.30
